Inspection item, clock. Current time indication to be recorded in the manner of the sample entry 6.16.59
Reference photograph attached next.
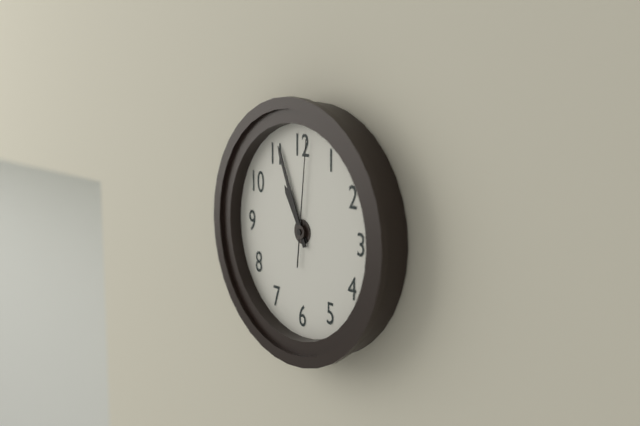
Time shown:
10.56.01
